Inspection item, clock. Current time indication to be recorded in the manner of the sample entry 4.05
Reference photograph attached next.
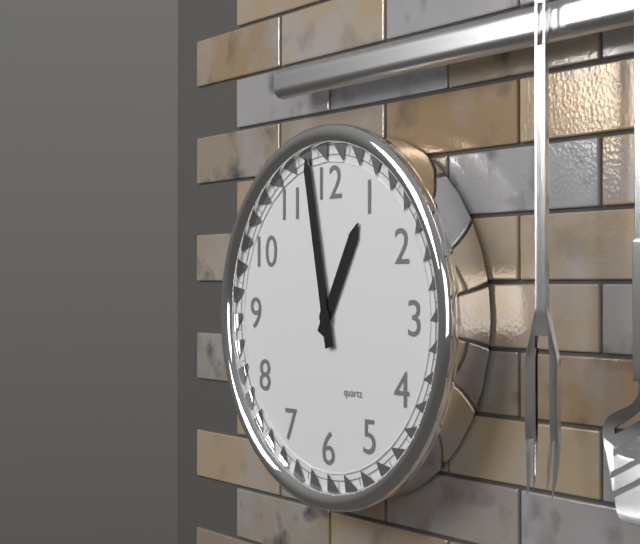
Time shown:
12.58
